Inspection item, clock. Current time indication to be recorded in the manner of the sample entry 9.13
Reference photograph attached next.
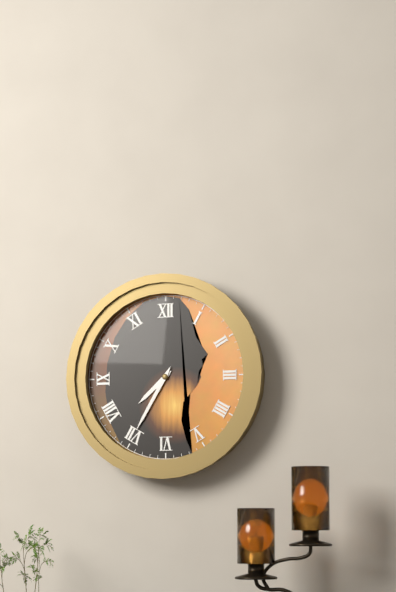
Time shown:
7.35
